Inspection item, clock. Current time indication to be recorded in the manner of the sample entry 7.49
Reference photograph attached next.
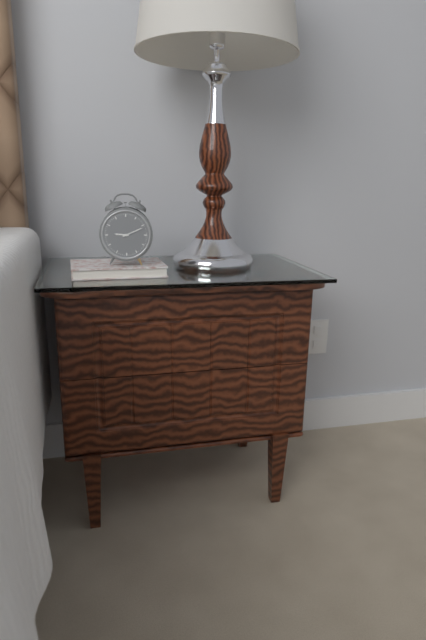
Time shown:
9.11
